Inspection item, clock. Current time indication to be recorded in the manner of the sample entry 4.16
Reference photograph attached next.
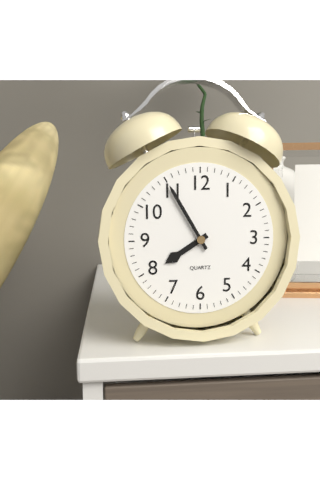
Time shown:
7.55
